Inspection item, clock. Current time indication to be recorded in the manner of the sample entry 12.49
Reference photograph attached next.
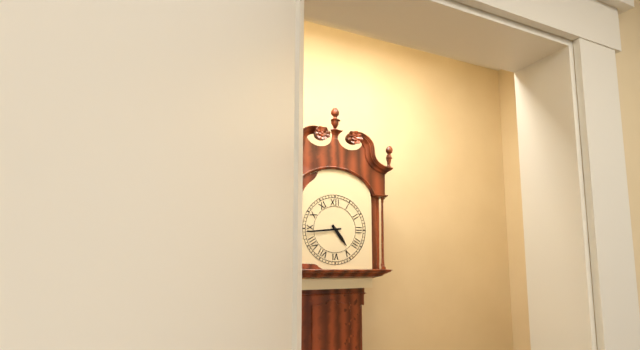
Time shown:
4.44
